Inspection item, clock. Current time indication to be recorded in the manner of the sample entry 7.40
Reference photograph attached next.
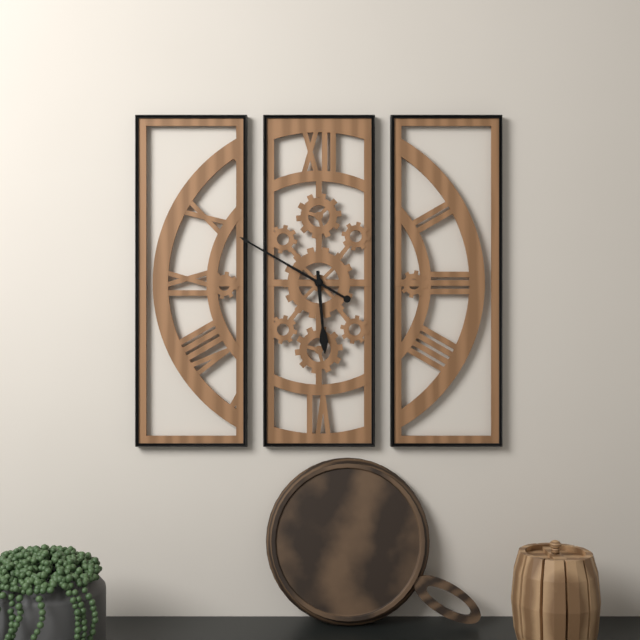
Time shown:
5.50
